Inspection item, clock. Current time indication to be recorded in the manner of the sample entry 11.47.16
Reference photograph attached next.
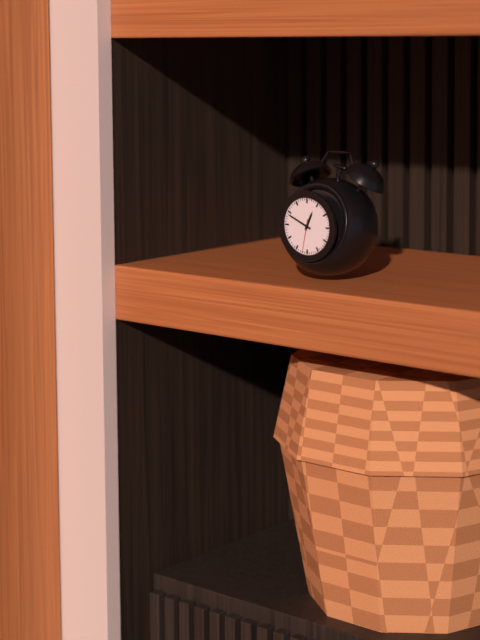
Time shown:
12.49.32
